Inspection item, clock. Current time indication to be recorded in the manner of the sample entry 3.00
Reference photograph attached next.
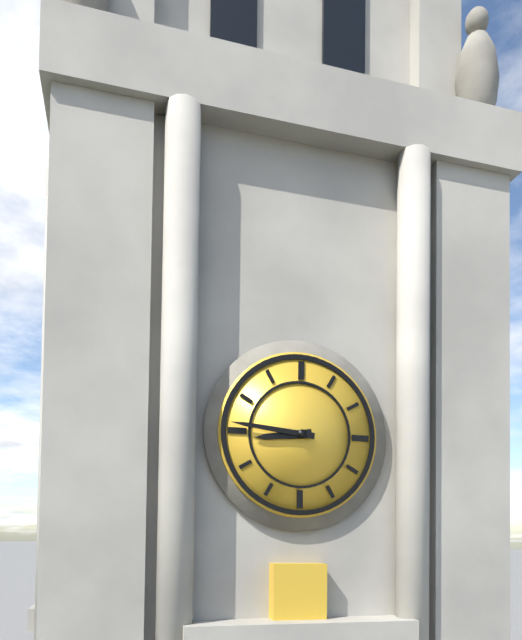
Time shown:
8.46
